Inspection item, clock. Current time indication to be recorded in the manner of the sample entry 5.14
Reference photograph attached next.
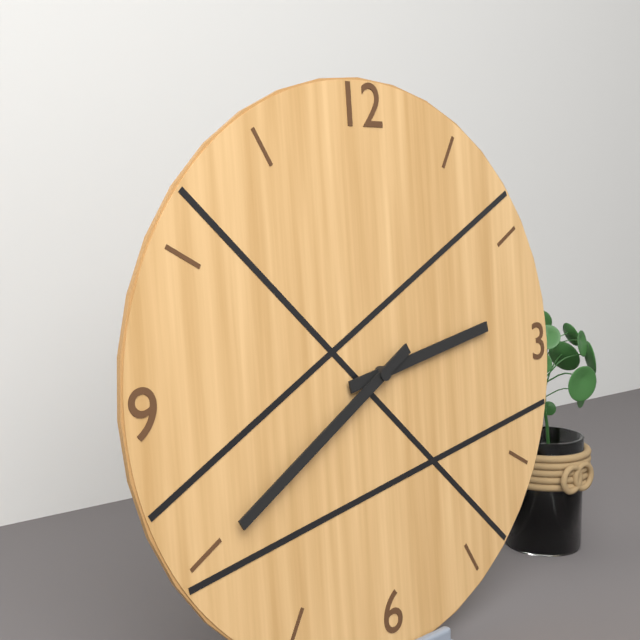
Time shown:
2.40
